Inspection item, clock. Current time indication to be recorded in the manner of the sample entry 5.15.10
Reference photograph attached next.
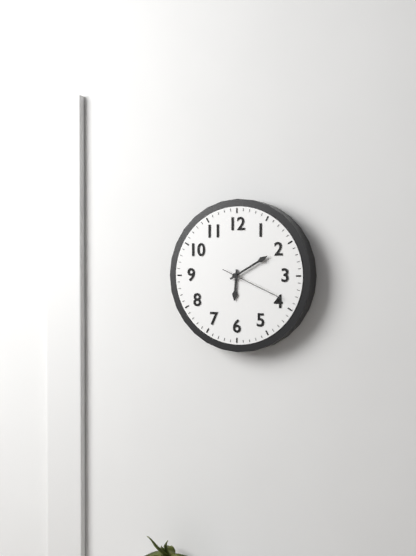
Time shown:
6.10.19
